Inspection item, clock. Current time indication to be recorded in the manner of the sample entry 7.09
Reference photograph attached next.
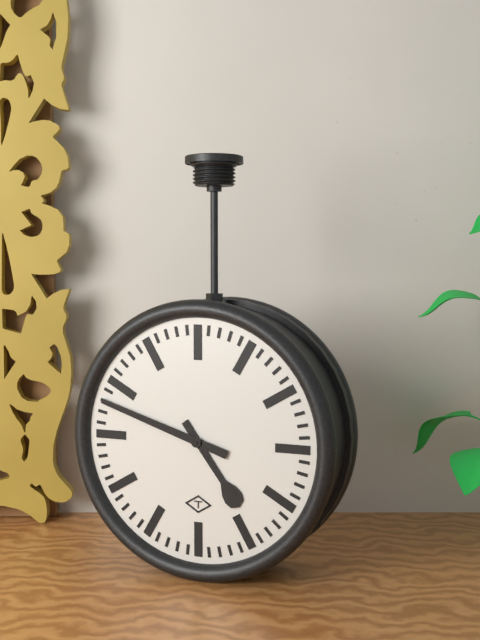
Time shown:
4.48
